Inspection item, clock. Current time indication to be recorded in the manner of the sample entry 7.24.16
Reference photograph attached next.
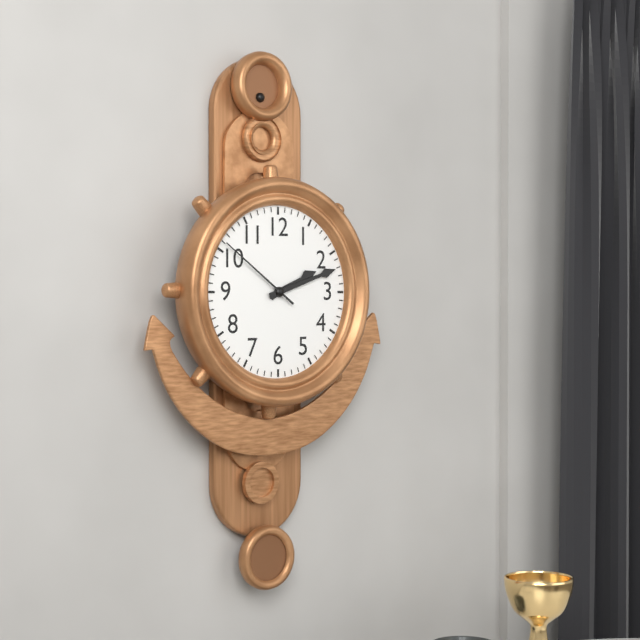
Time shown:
2.12.51
